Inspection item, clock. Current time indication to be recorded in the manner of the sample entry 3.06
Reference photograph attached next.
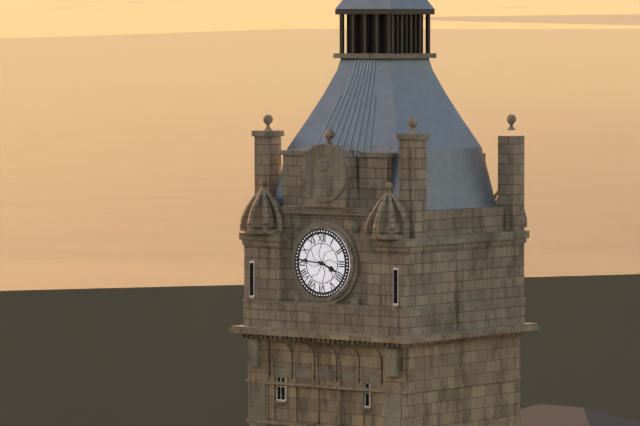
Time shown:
3.46
